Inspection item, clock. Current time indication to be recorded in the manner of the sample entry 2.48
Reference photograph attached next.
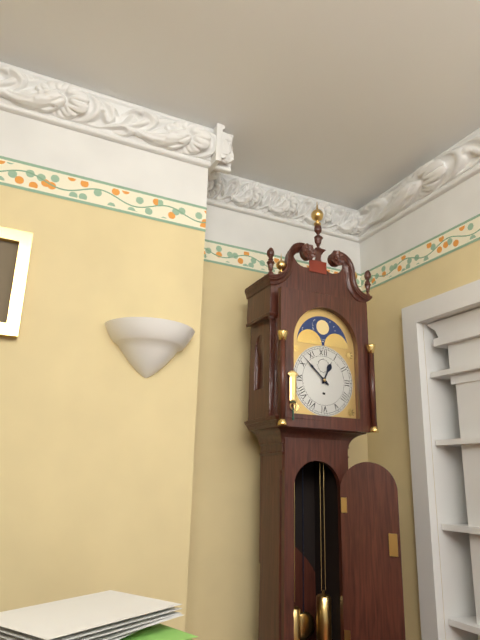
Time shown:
12.52
